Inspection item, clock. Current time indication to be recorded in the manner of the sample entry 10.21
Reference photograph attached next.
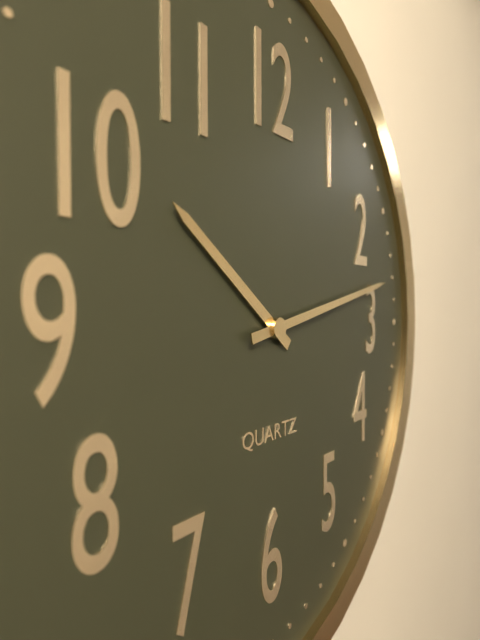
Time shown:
10.13
